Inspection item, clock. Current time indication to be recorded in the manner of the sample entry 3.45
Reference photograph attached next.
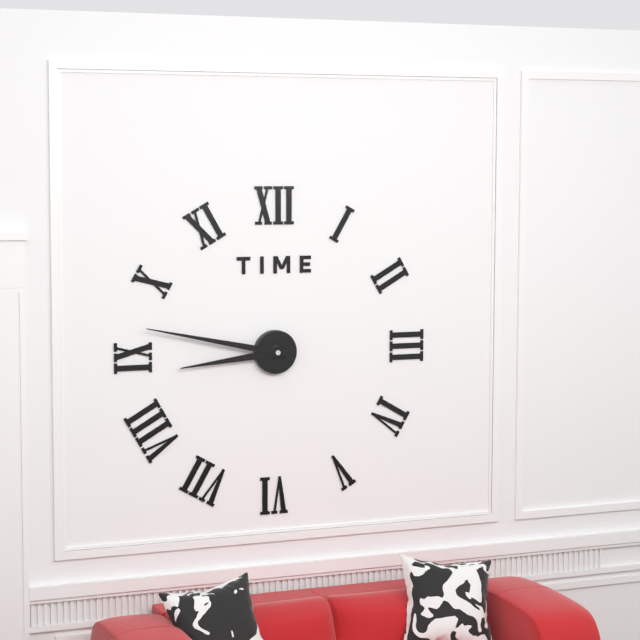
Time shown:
8.47
